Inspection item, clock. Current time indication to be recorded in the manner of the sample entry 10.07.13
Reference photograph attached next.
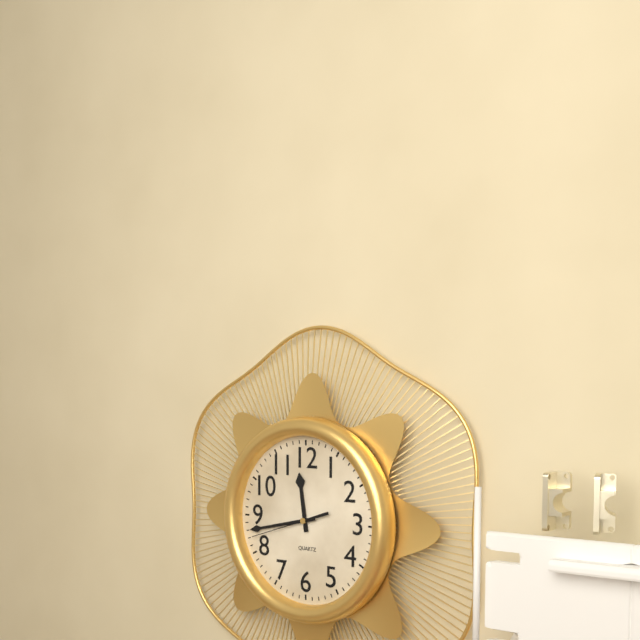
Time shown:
11.43.42
